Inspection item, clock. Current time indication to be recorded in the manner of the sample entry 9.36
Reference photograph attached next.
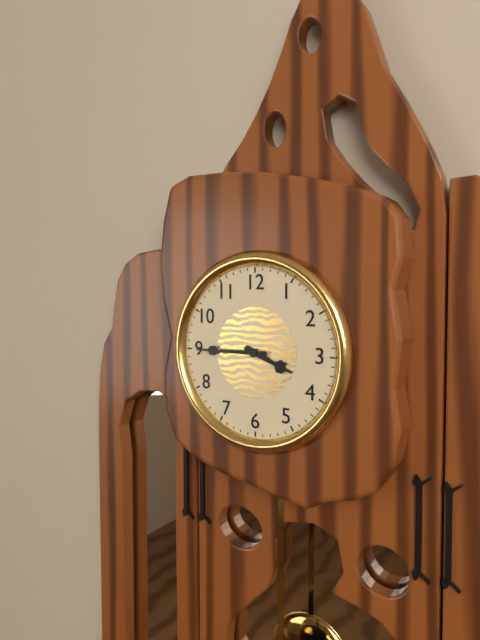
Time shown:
3.45
